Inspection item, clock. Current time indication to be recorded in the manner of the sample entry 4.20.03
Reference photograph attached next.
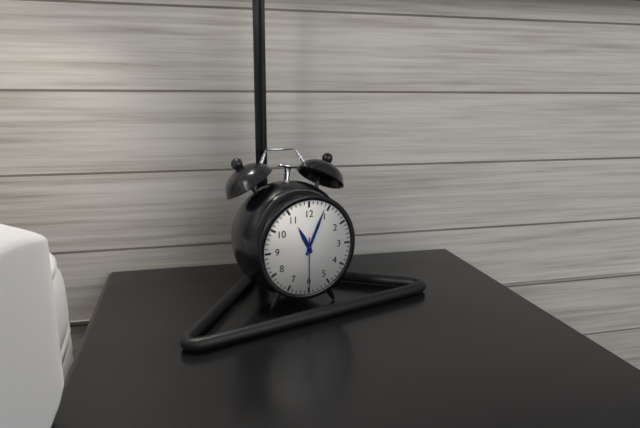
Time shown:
11.04.30
